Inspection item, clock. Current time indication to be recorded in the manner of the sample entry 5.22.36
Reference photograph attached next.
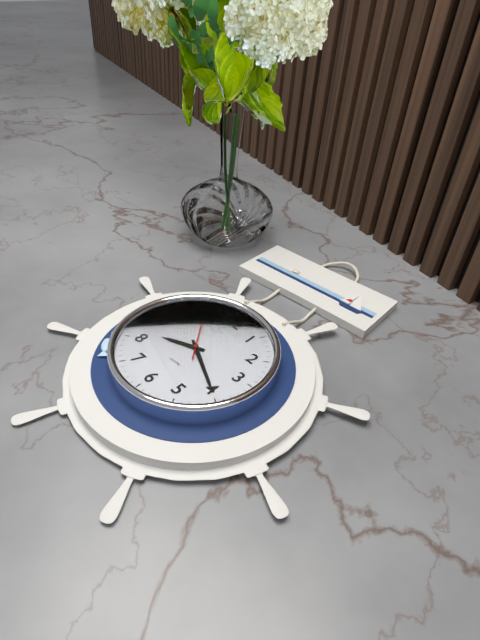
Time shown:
8.20.54
